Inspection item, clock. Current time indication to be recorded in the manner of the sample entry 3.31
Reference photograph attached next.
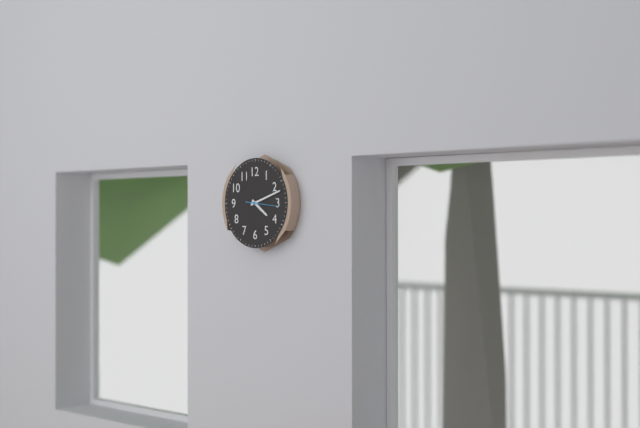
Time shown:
4.12
